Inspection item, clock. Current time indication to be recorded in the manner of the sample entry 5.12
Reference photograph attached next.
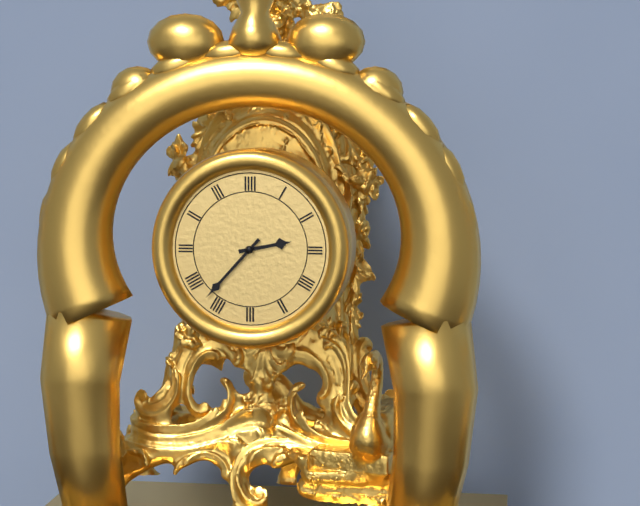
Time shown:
2.37
